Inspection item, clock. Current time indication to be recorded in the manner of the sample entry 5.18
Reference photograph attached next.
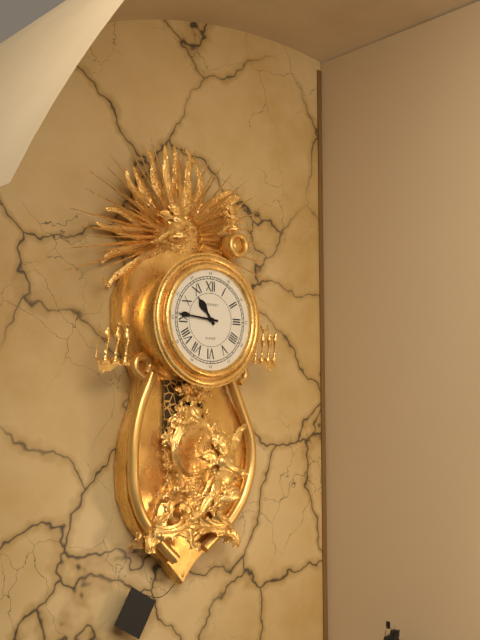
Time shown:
10.46
